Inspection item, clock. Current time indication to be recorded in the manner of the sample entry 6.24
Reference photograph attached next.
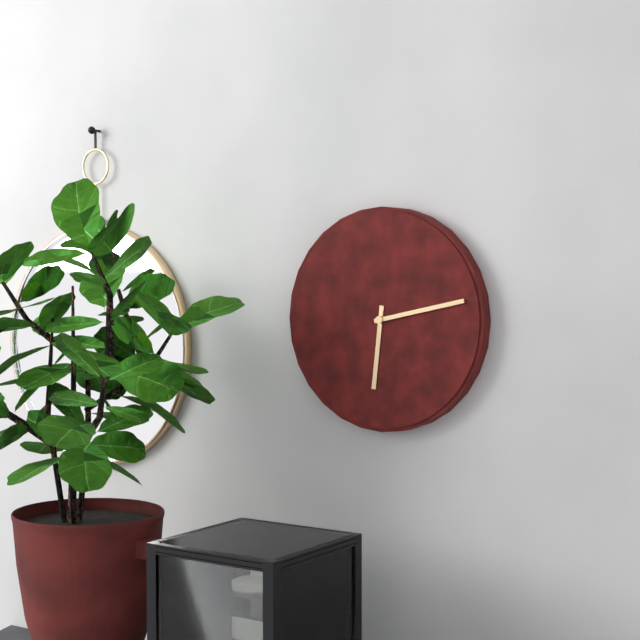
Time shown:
6.13
